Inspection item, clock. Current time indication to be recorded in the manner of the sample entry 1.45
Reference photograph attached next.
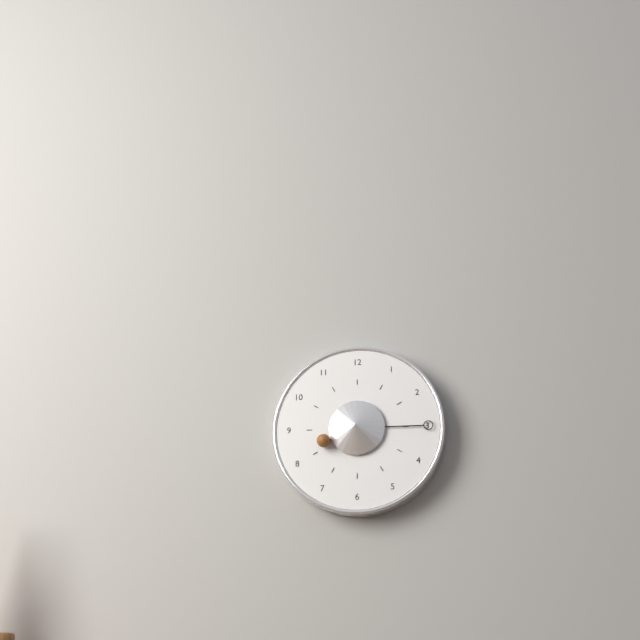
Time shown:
8.15
